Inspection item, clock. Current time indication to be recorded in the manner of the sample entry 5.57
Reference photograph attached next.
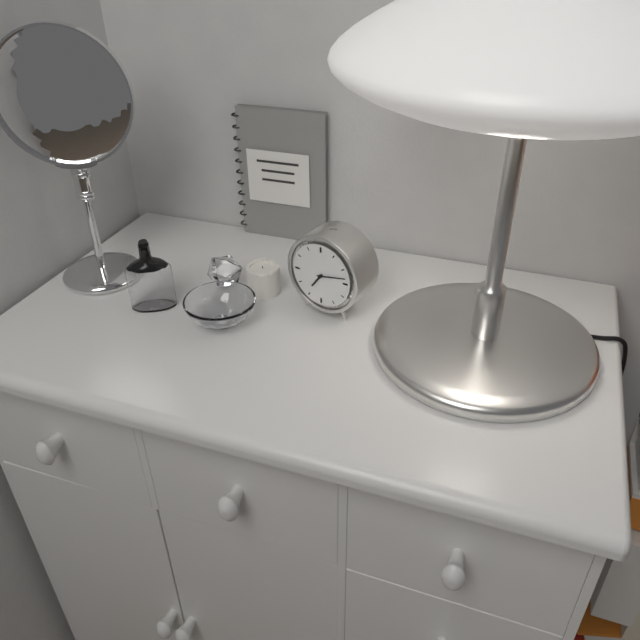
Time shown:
7.13
